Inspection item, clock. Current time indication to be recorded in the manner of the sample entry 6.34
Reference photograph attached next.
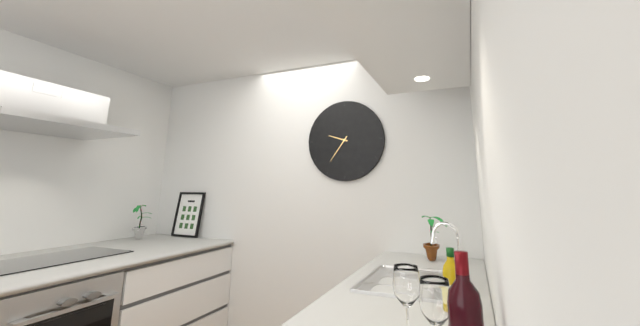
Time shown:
9.36
